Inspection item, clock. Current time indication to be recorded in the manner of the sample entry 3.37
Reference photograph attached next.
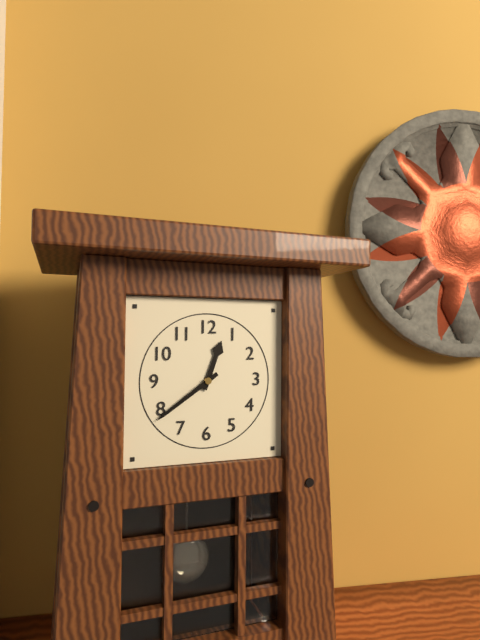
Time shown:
12.39
